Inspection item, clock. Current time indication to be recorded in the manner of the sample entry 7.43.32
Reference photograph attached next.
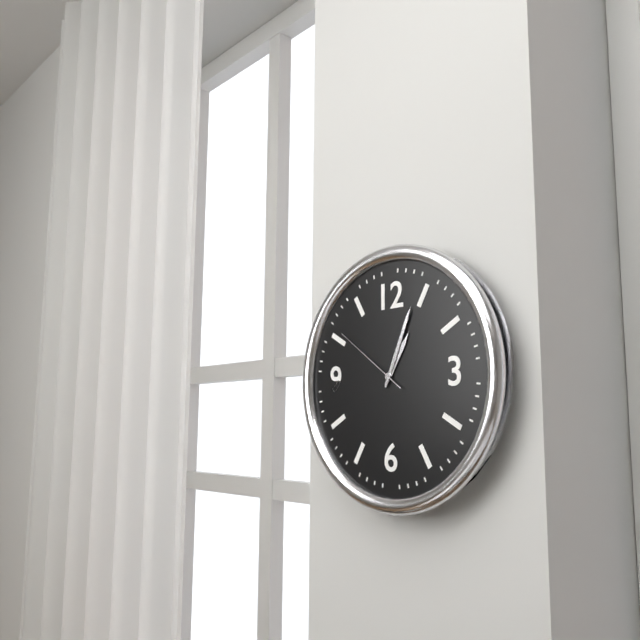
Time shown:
1.04.51
